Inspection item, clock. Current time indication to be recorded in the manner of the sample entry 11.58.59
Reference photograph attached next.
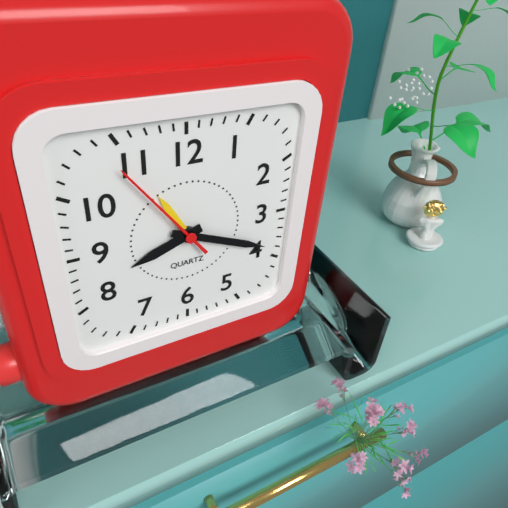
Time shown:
8.19.54
